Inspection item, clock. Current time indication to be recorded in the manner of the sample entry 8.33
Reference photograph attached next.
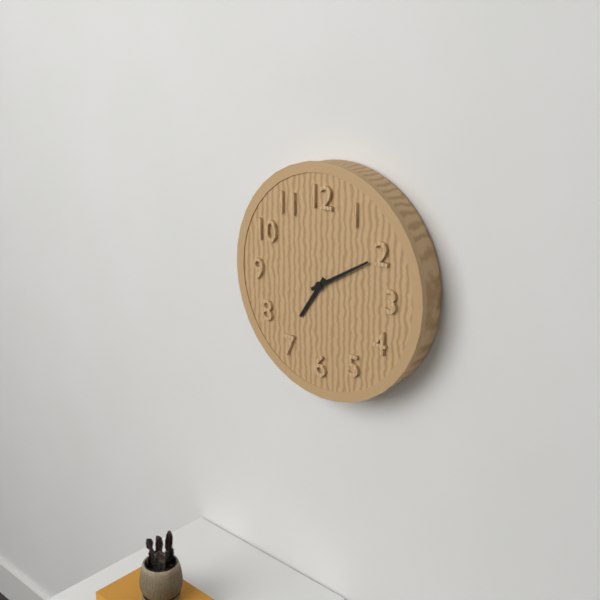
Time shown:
7.10
